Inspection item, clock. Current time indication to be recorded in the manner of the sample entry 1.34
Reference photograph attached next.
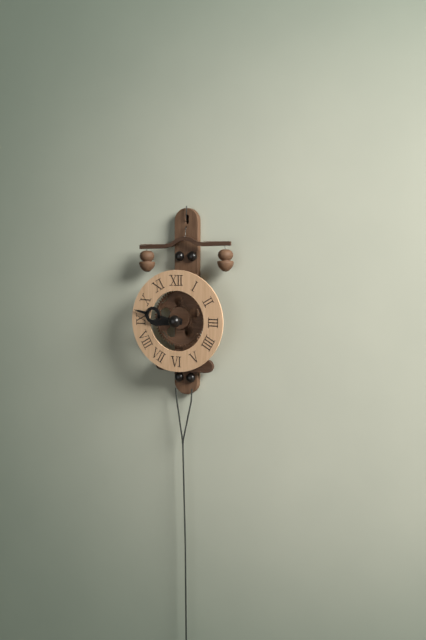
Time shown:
8.47
